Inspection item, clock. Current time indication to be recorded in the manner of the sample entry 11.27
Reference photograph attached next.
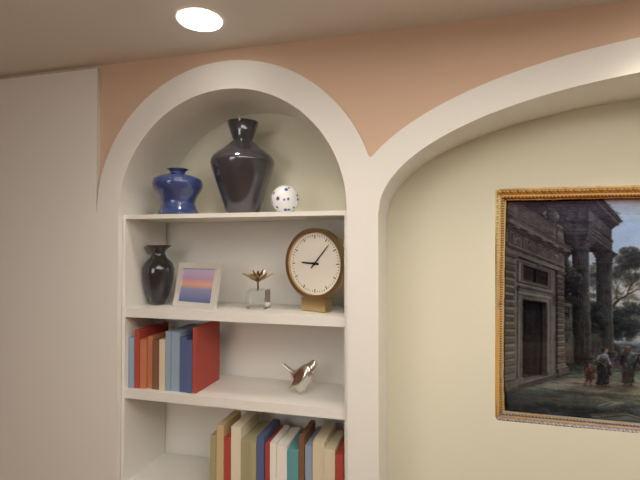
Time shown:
9.07
